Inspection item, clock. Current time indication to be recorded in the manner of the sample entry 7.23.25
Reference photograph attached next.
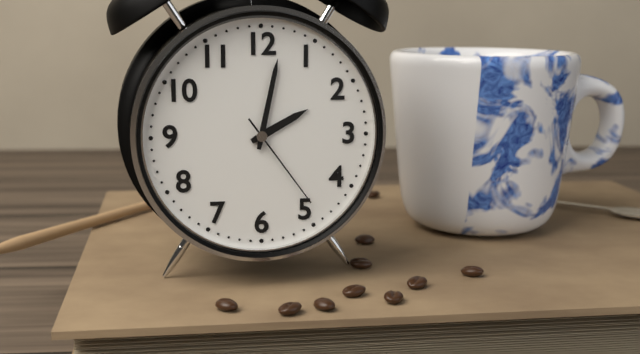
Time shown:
2.02.24
